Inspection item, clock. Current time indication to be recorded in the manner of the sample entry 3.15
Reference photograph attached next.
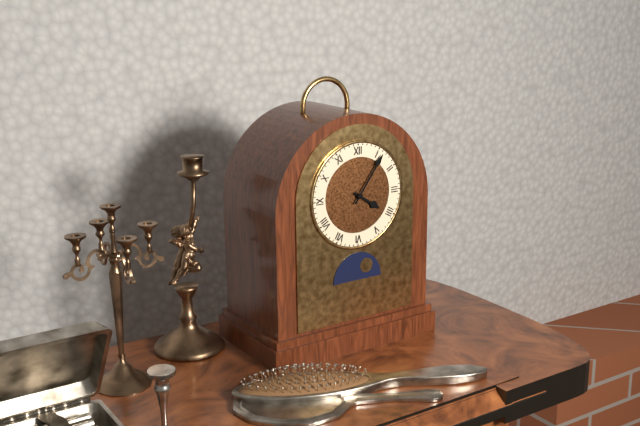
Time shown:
4.06
